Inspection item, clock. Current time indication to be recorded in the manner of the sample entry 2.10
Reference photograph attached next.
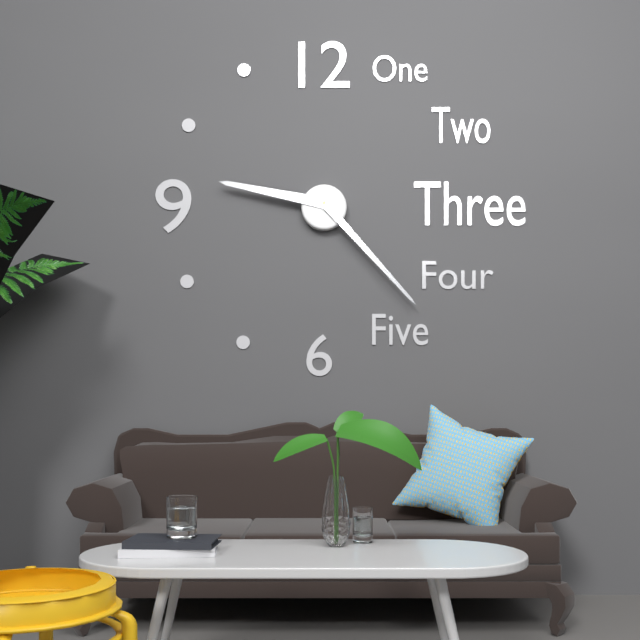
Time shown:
9.23
